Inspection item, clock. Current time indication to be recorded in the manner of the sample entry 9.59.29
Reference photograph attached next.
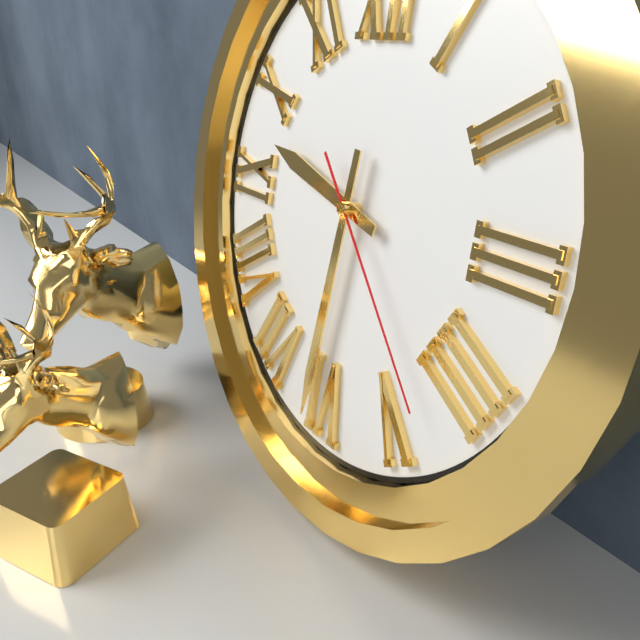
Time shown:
9.31.23
